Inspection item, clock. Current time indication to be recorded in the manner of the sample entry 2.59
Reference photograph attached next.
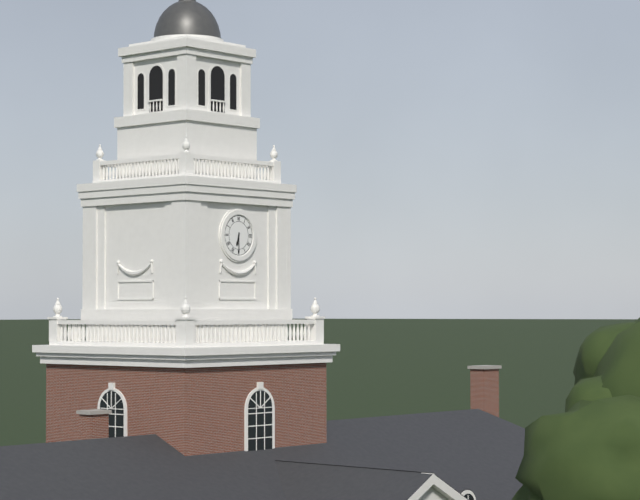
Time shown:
6.30
